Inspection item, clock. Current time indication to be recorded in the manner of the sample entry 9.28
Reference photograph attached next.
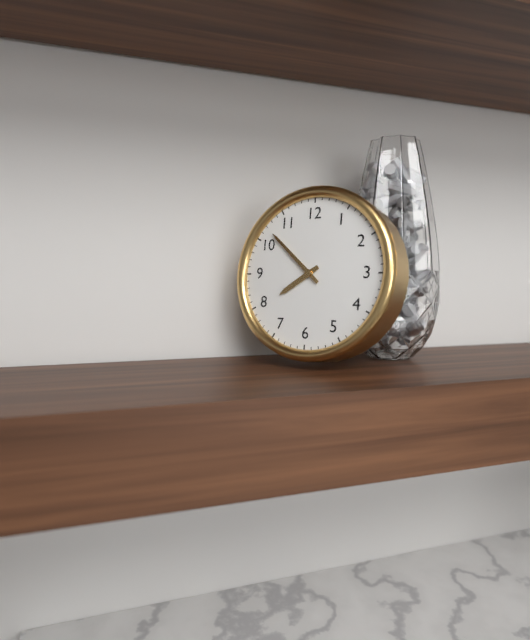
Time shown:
7.52
